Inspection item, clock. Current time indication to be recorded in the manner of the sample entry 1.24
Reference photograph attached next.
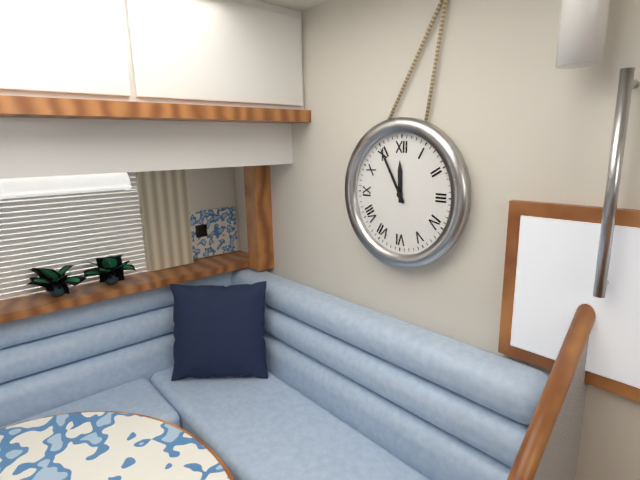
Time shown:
11.55
